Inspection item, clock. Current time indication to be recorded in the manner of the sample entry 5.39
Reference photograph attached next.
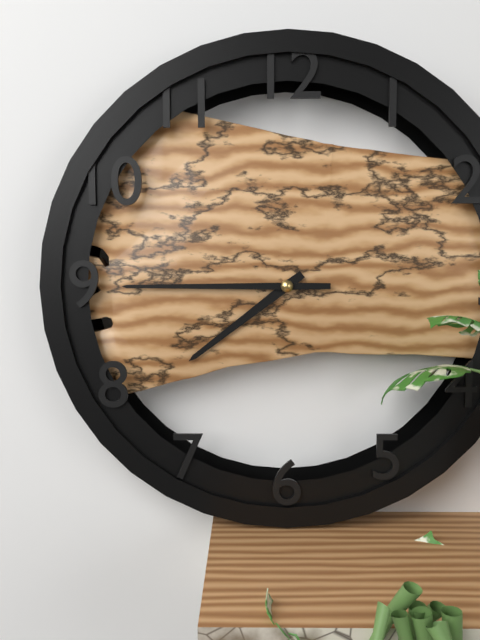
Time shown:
7.45
